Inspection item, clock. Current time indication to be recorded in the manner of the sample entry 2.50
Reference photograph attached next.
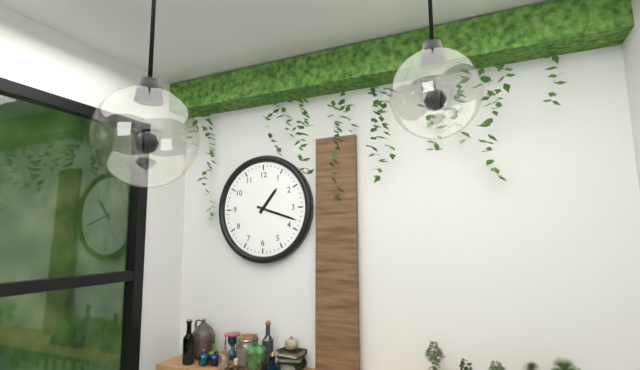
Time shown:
1.18
